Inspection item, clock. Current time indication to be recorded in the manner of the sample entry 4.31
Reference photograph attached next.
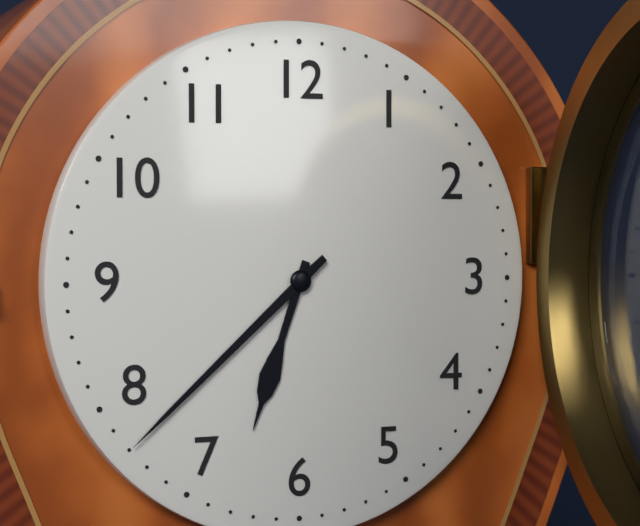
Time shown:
6.38
